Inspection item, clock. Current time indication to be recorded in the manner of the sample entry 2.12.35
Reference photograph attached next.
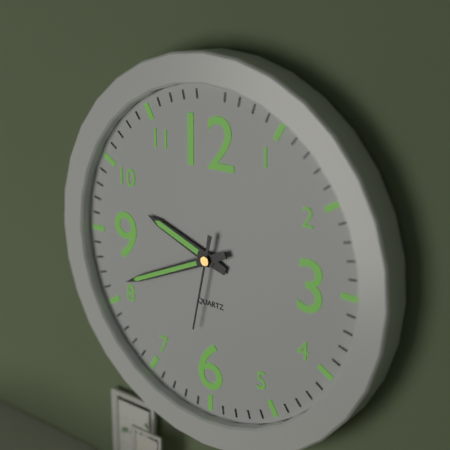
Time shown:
9.41.32
